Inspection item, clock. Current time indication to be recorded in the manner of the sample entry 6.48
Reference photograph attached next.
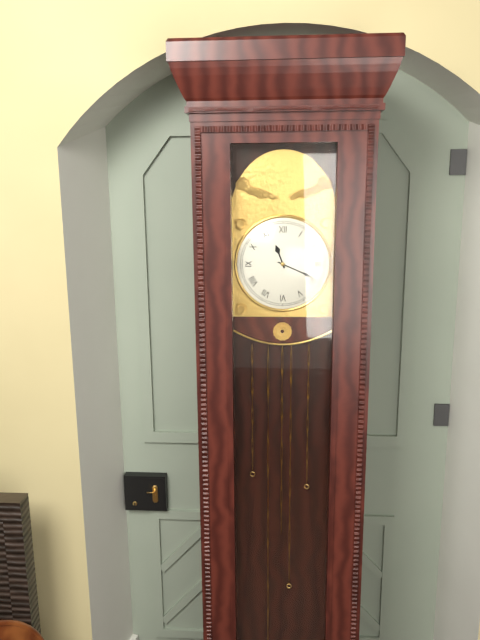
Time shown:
11.19
